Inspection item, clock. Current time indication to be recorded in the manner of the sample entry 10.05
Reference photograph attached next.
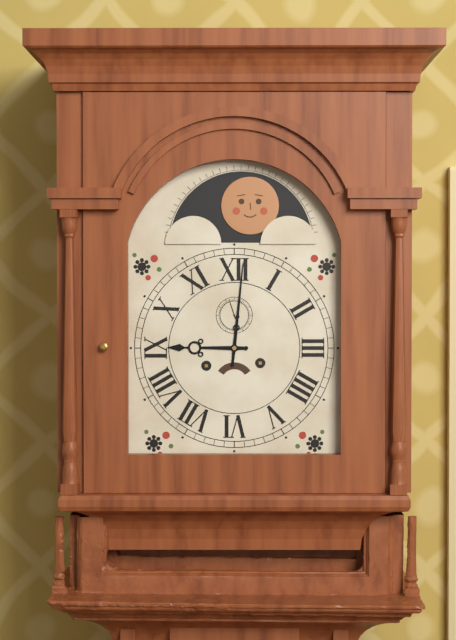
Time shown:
9.01
